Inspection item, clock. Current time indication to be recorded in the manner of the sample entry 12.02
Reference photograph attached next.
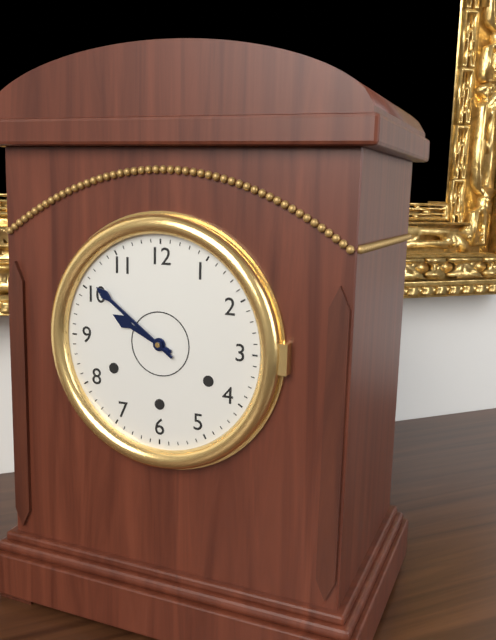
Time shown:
9.51
